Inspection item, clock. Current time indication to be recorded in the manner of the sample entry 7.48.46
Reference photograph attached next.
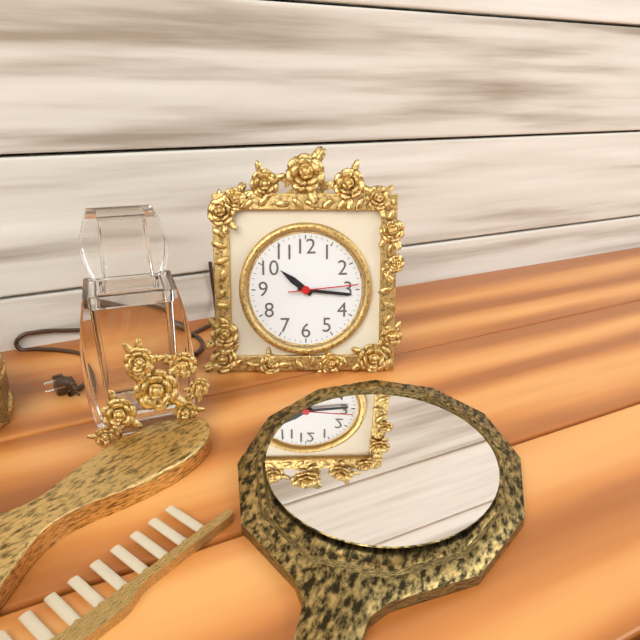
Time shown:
10.16.14
